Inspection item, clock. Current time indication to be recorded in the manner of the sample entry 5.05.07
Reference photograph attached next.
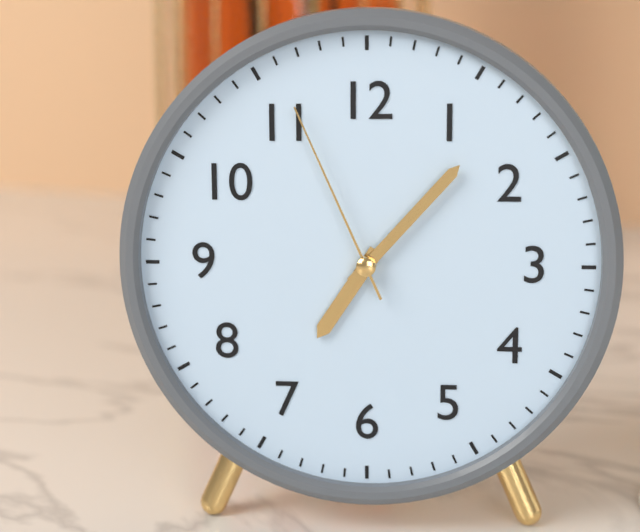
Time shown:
7.07.56
